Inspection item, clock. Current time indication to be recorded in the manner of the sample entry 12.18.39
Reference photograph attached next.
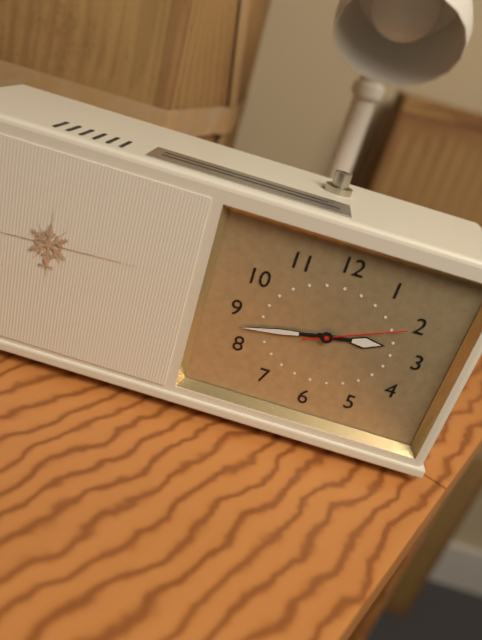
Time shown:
2.43.11
